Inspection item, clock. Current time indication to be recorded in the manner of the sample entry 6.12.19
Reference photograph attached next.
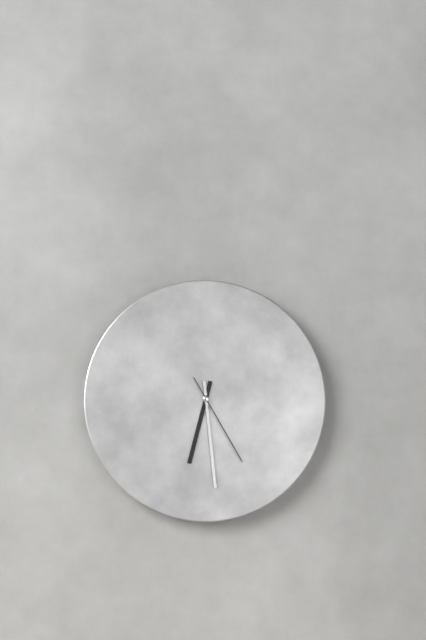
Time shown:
6.29.25
